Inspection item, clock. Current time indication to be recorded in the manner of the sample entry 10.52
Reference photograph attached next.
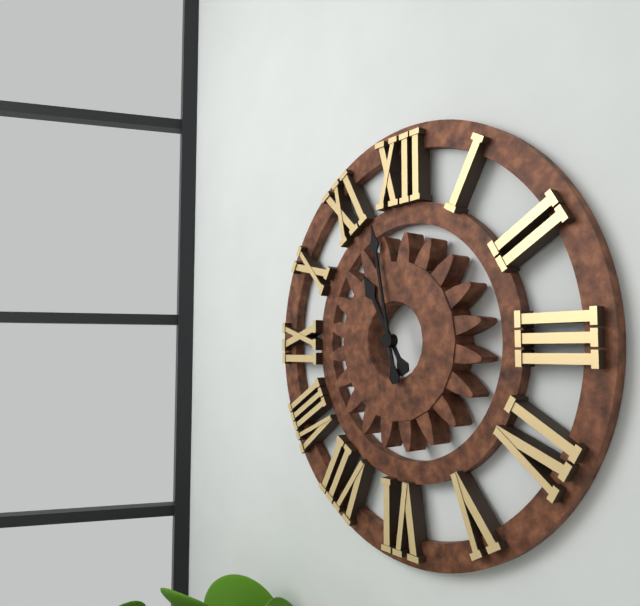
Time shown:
10.58
